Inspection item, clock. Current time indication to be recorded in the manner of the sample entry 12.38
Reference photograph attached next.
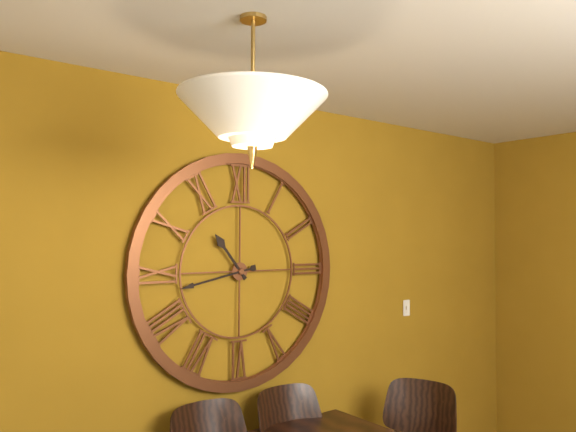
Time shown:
10.43
